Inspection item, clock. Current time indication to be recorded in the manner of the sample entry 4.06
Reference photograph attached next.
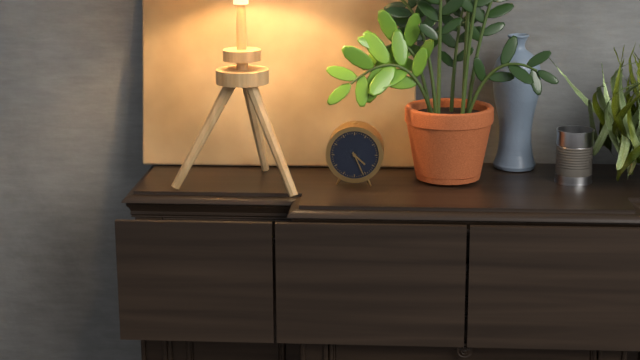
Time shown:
4.26
